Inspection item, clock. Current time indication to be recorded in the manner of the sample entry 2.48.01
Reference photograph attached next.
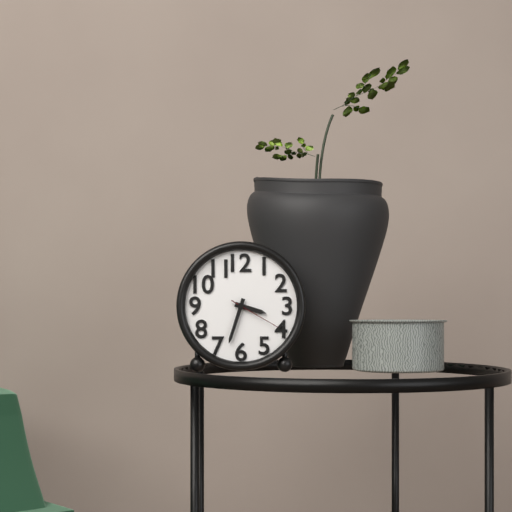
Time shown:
3.33.20
